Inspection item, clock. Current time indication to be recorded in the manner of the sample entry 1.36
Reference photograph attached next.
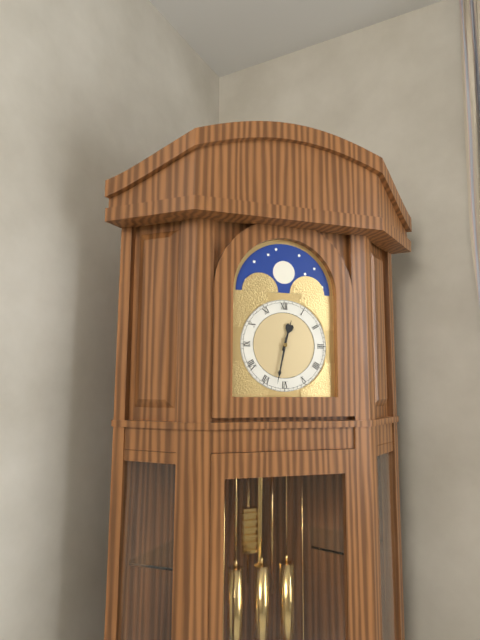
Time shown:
12.32
